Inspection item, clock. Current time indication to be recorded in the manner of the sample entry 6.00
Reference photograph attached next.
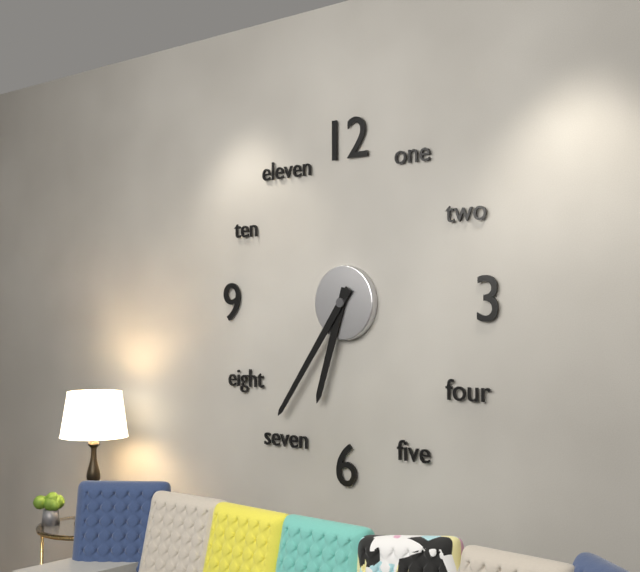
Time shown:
6.36
